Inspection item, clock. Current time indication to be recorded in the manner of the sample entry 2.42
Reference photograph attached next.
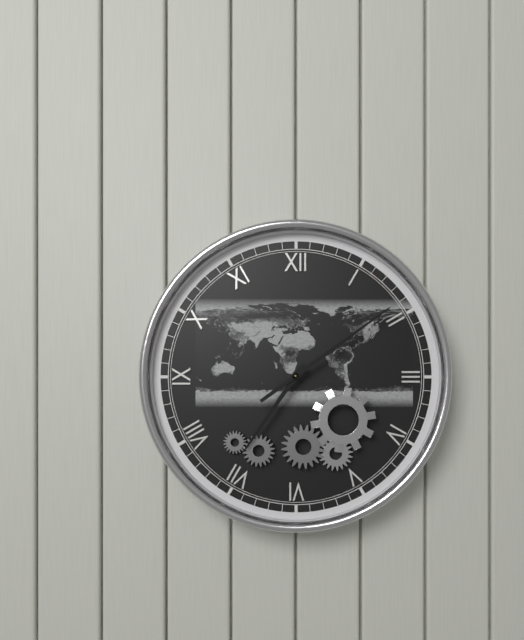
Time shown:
7.09
